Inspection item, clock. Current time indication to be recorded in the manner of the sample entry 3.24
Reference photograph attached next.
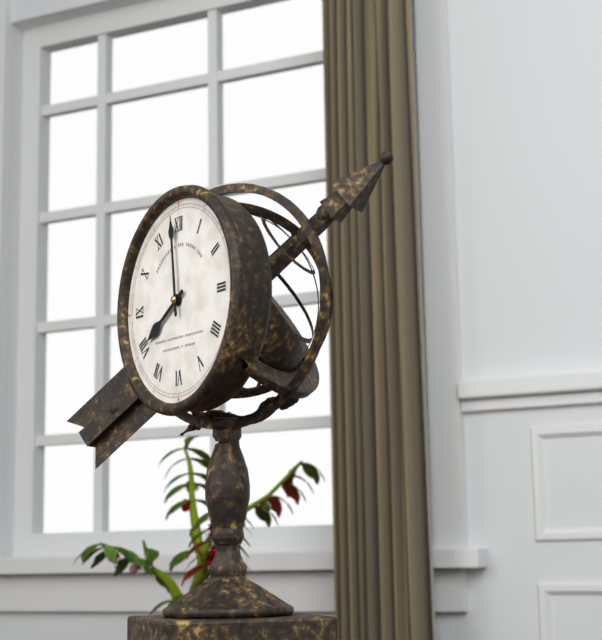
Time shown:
7.59
